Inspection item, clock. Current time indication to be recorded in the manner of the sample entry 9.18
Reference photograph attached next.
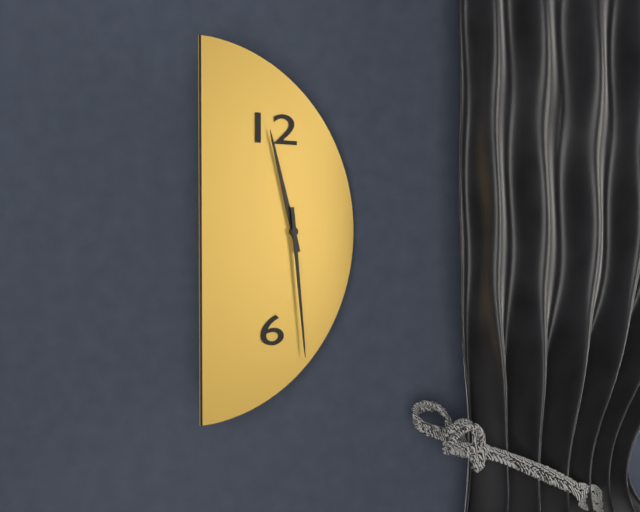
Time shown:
11.29
